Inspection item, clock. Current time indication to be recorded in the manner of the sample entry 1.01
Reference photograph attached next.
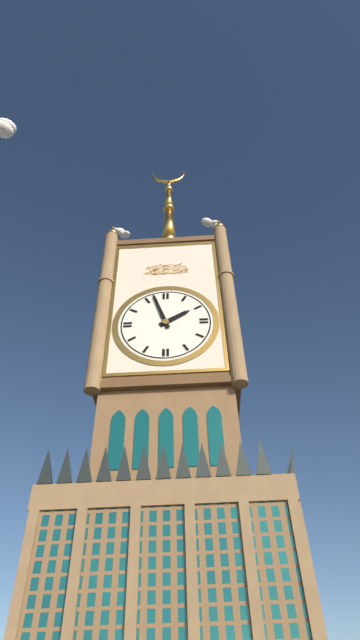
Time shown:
1.57
